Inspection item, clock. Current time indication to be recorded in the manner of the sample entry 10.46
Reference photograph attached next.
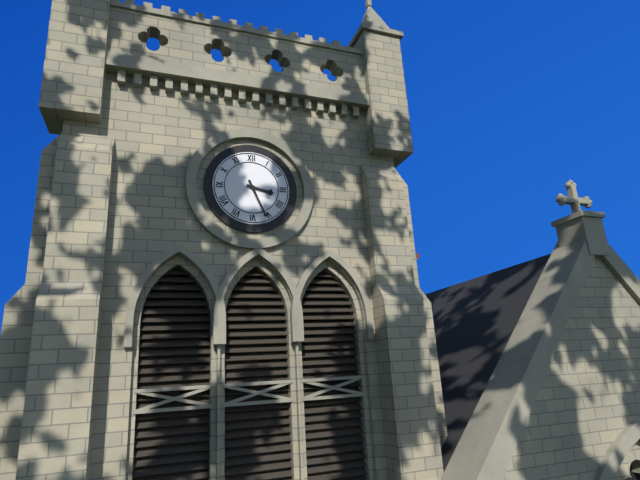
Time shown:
3.26
